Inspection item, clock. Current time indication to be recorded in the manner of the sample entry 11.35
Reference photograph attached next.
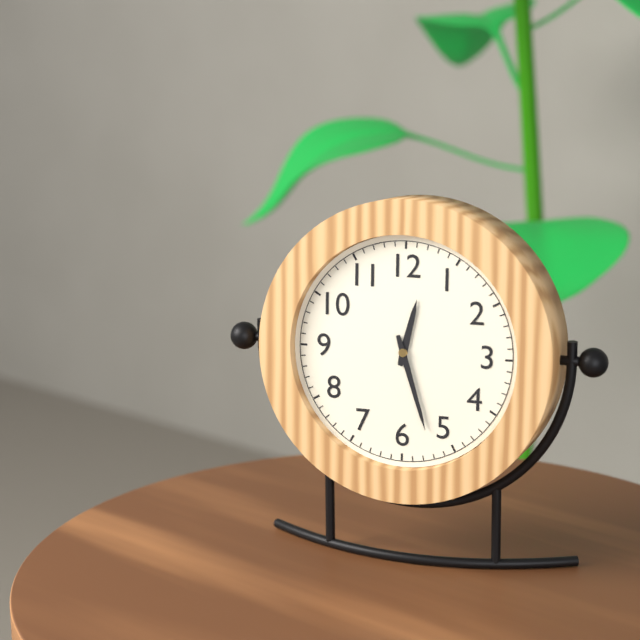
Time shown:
12.27
